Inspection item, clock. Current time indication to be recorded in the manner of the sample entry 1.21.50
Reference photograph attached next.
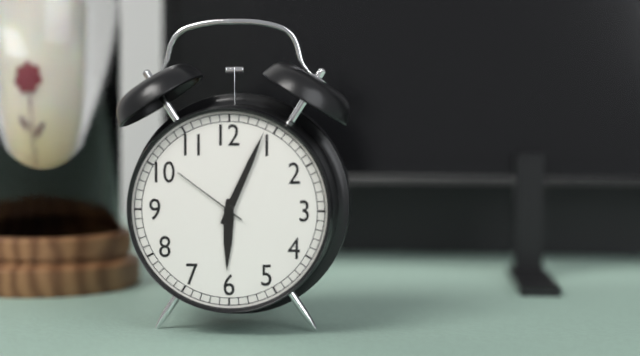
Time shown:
6.04.51
